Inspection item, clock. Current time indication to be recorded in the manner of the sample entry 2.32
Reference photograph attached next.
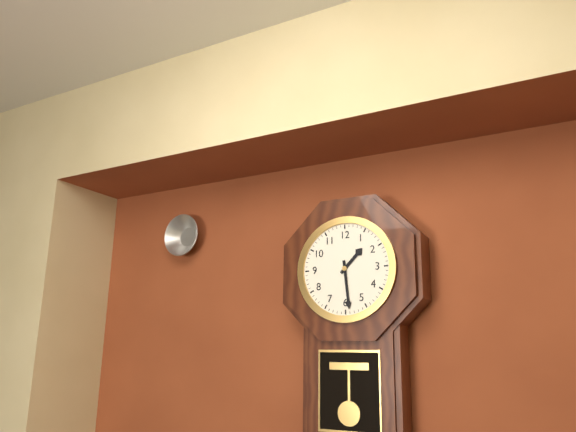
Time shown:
1.29
